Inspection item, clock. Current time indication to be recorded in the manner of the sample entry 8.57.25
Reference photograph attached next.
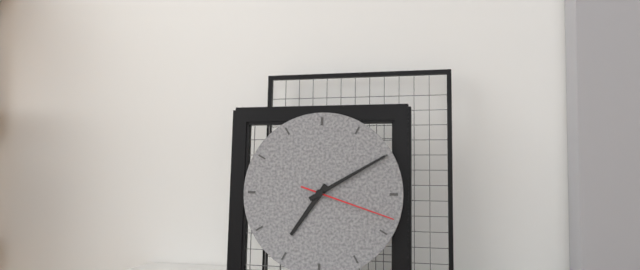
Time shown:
7.10.18
